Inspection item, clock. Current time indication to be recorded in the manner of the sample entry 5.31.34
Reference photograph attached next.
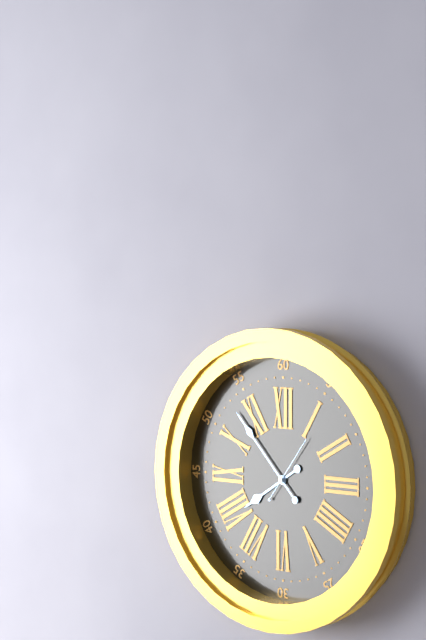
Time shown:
7.53.06
